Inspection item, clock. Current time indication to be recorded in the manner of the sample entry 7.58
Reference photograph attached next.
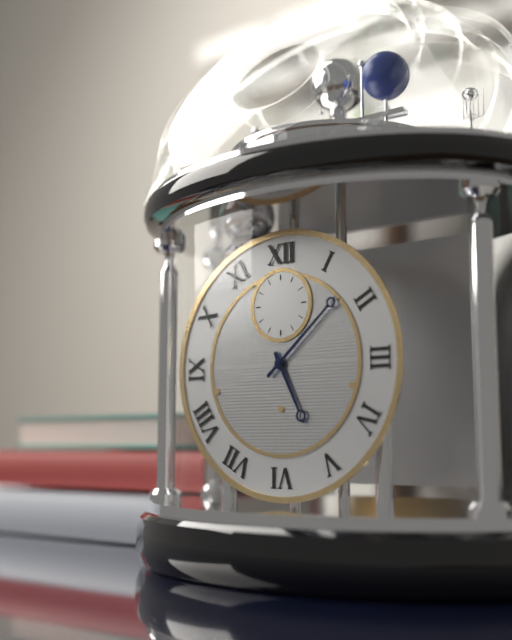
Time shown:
5.08
